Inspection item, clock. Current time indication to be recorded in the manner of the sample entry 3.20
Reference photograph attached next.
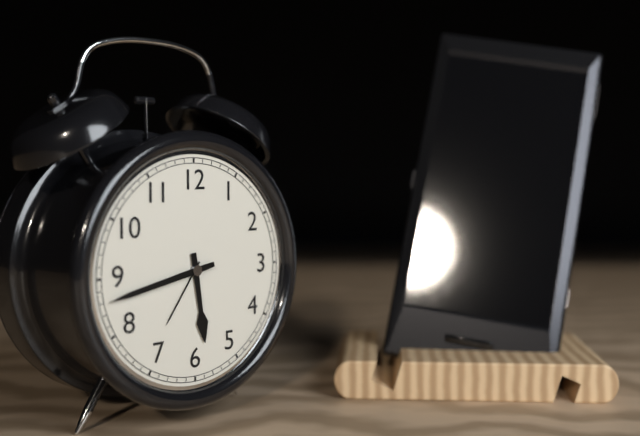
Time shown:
5.43
